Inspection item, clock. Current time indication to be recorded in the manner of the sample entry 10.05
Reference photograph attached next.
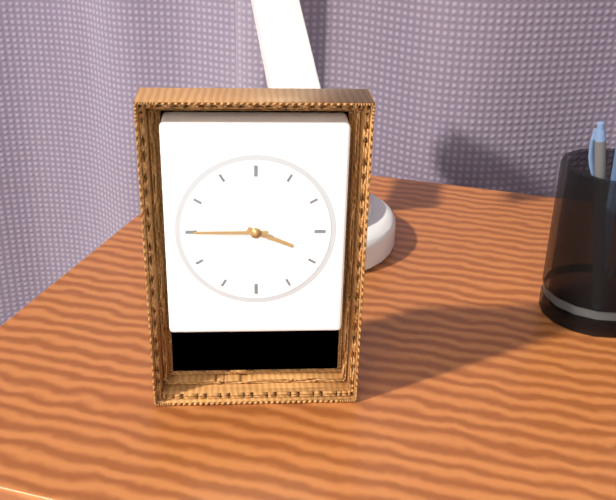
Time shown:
3.45
